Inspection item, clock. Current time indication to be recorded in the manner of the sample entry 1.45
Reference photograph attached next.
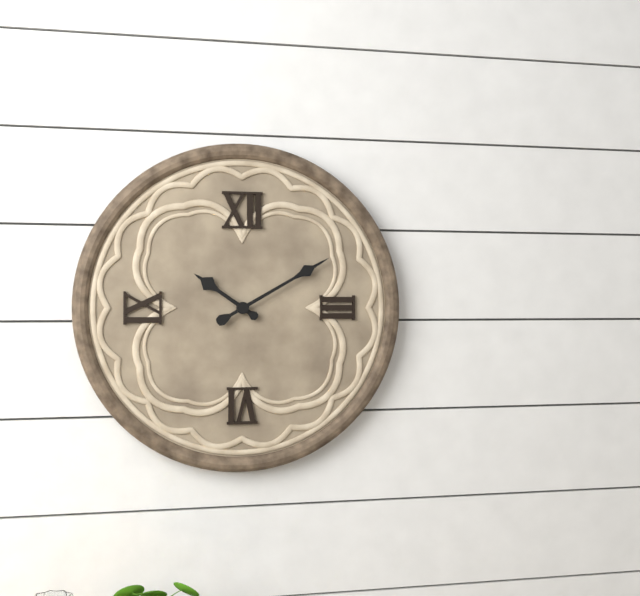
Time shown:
10.10
